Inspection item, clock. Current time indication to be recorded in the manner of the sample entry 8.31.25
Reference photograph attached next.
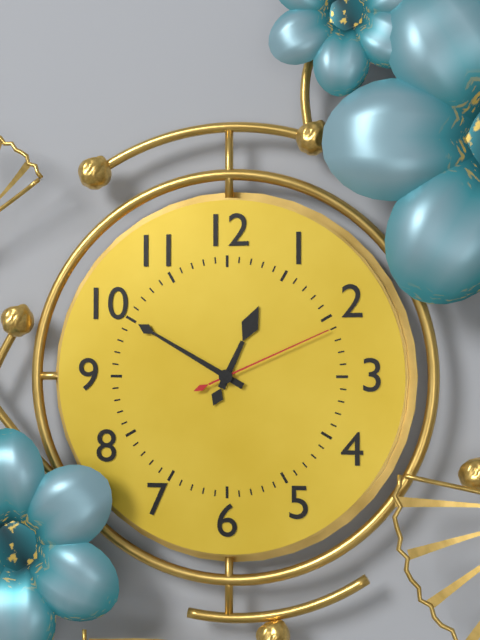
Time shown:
12.50.11
